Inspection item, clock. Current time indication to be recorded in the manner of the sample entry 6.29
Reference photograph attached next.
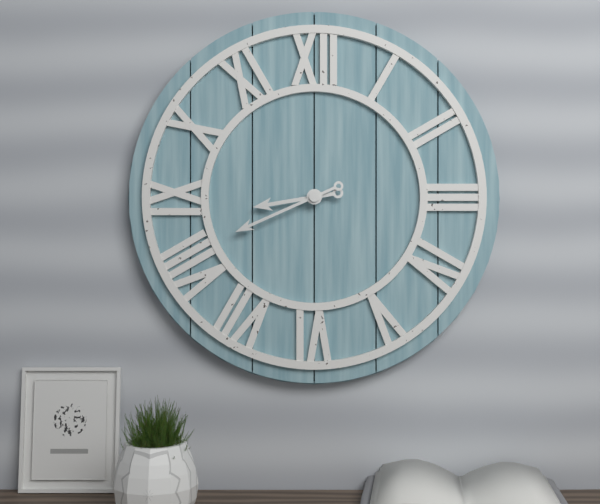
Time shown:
8.41
